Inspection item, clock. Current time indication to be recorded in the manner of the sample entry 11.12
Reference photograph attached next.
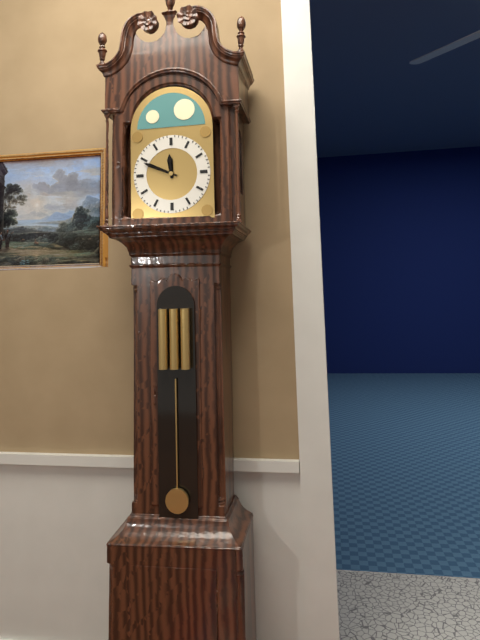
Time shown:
11.49
